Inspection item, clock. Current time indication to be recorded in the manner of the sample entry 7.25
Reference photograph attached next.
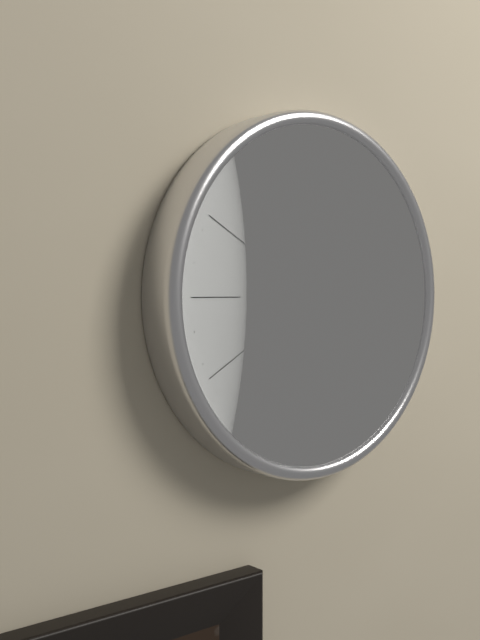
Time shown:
2.19
